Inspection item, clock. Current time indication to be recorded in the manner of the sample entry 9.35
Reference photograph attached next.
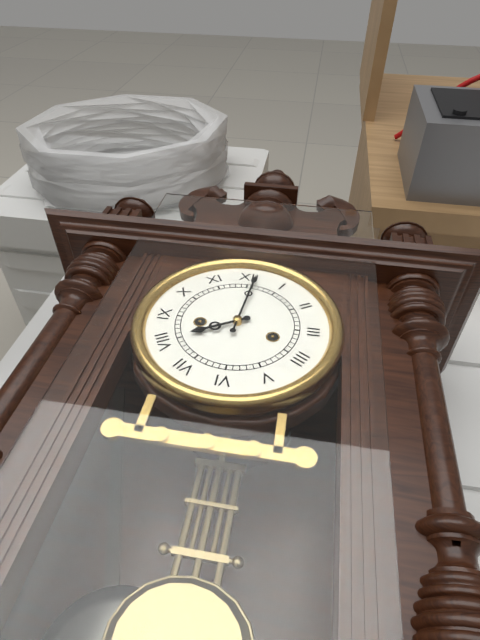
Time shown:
8.01
